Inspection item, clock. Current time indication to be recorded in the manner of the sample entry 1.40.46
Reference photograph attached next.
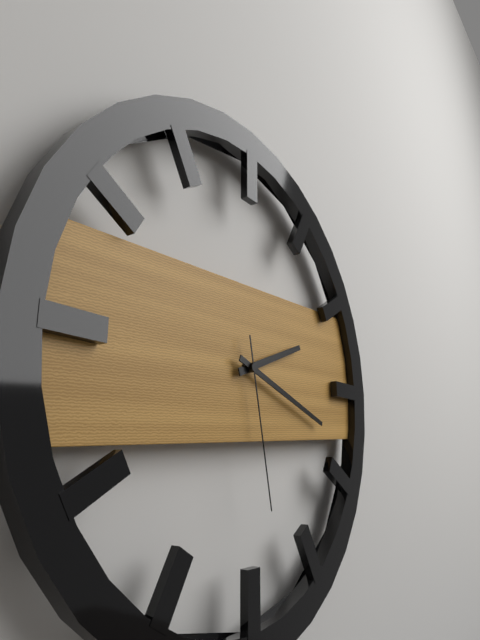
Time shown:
2.18.28
